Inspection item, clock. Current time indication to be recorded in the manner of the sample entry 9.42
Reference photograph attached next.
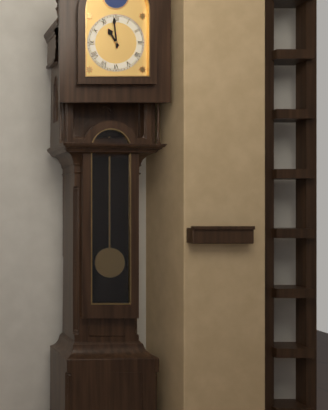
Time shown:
10.59
